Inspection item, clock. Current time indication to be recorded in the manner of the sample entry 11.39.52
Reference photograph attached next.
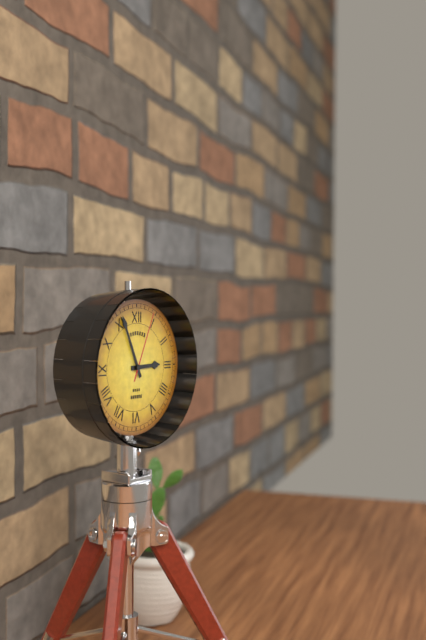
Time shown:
2.56.04
